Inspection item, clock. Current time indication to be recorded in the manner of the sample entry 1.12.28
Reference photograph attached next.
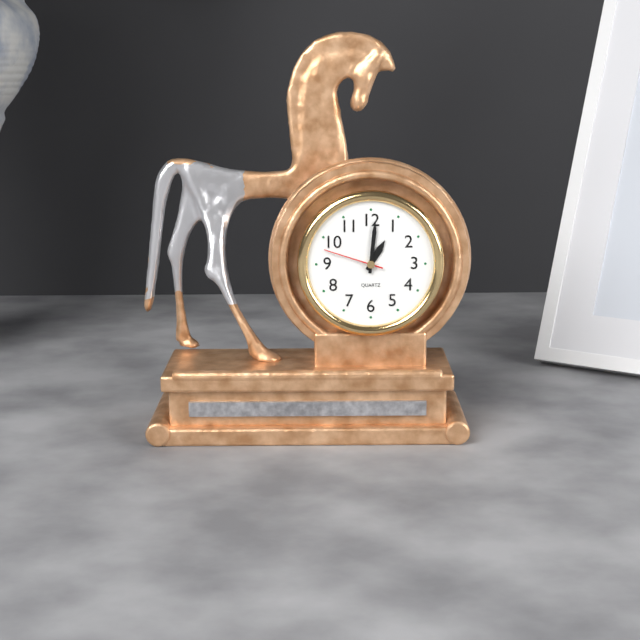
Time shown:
1.01.48
